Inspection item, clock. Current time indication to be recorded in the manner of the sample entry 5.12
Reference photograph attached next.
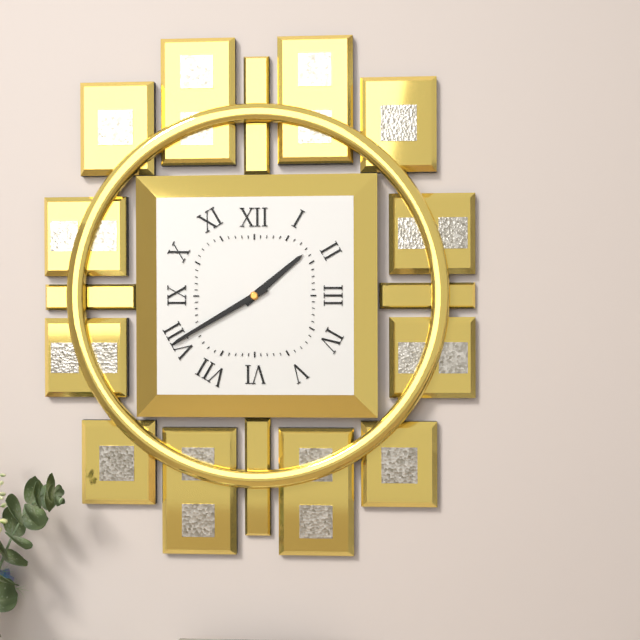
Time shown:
1.40
